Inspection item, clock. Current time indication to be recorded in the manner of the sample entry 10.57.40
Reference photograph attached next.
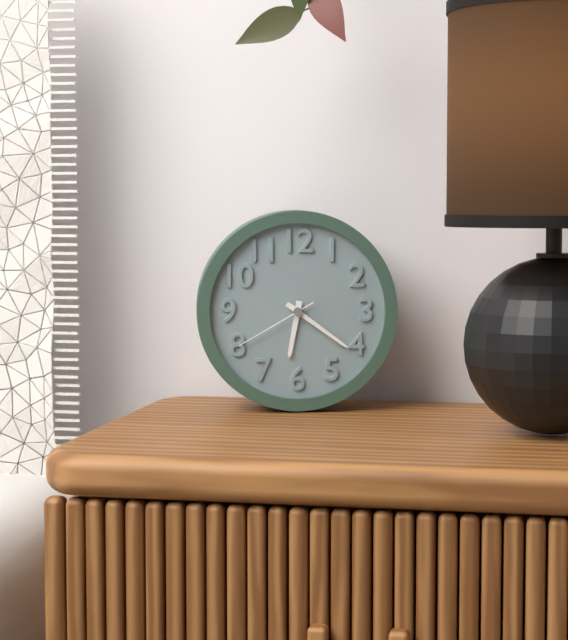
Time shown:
6.21.40
